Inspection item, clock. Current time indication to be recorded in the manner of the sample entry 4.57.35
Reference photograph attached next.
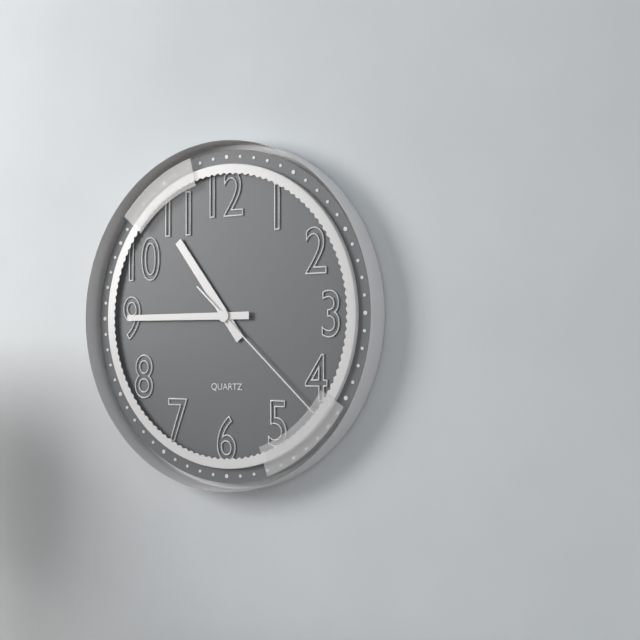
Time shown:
10.45.22
